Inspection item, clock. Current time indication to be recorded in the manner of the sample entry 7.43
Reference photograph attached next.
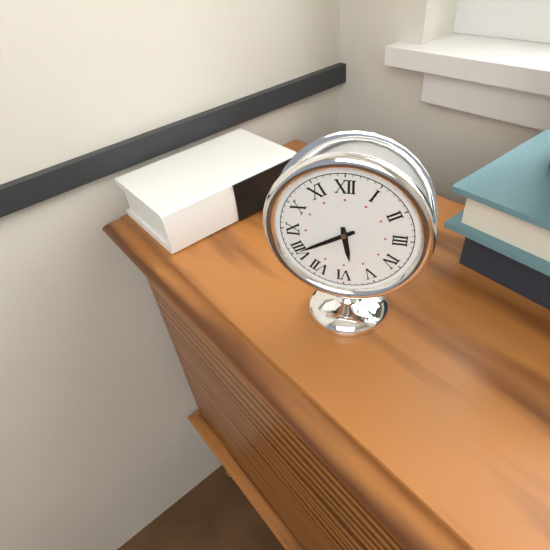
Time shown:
5.40
